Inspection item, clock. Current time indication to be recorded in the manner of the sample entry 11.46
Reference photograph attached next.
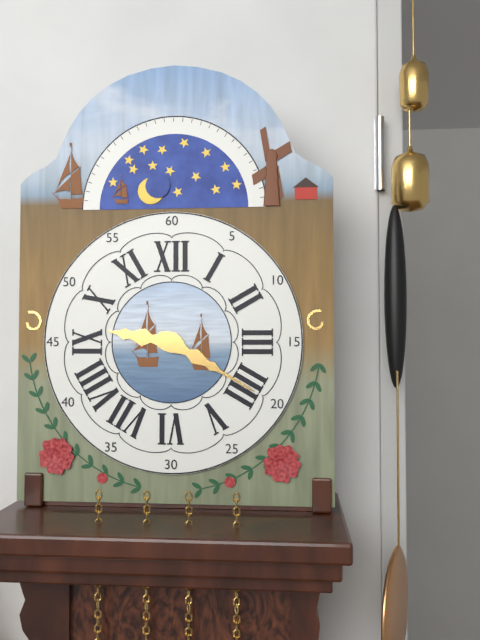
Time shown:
9.20
